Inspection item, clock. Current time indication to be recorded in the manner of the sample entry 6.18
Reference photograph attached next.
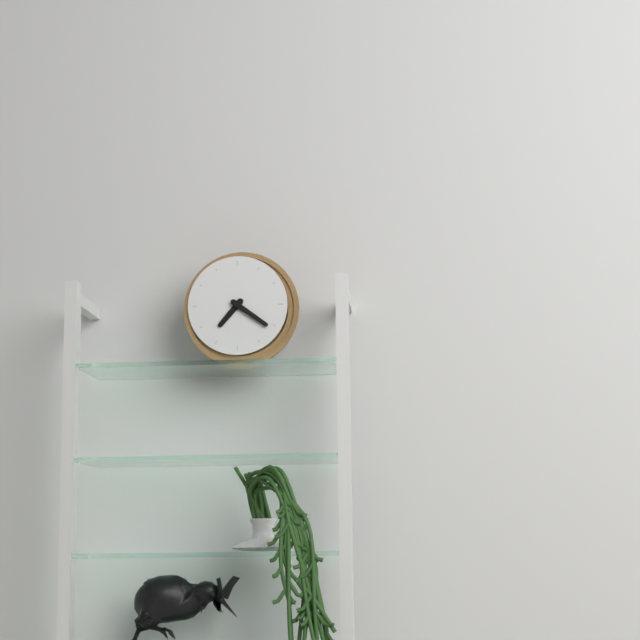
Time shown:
7.21
